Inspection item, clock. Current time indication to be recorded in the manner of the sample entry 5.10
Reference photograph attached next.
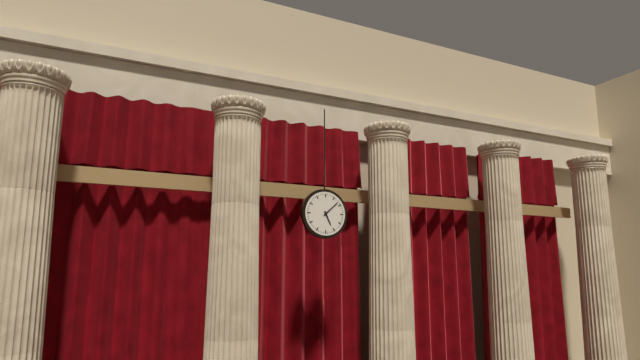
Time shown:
5.08
